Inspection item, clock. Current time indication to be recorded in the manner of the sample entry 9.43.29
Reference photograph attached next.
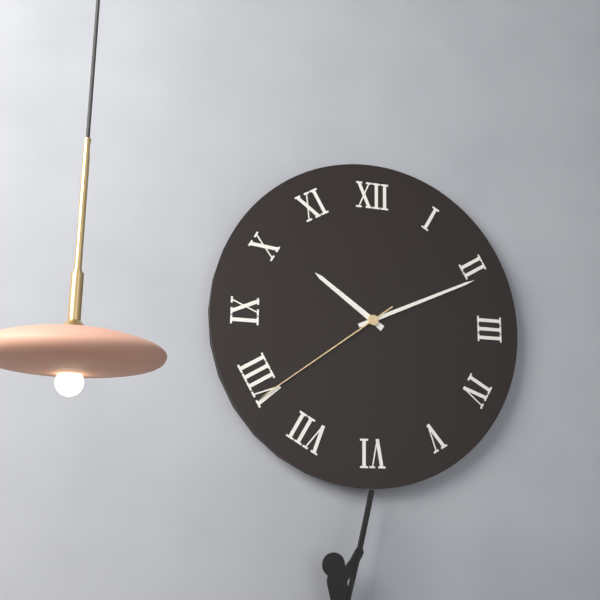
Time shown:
10.11.39
